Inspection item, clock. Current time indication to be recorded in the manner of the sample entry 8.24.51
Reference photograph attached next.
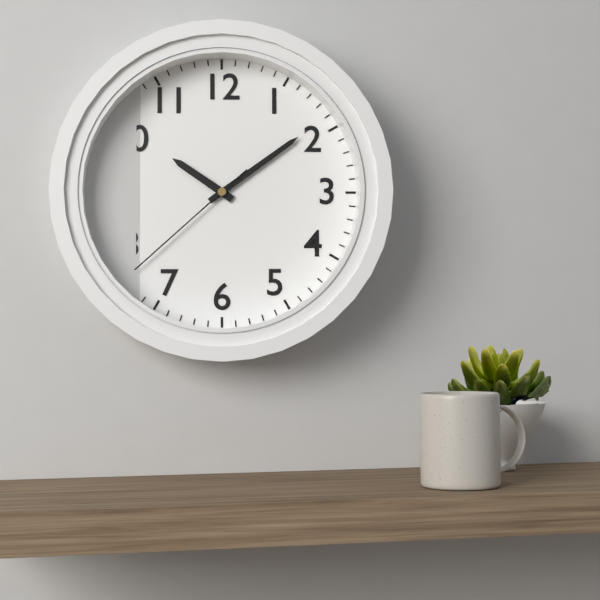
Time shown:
10.09.38
